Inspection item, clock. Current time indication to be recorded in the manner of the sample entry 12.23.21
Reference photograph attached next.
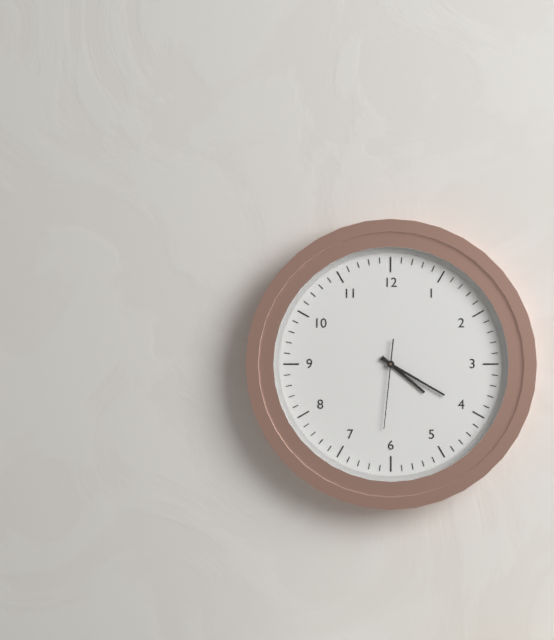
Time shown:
4.20.31
